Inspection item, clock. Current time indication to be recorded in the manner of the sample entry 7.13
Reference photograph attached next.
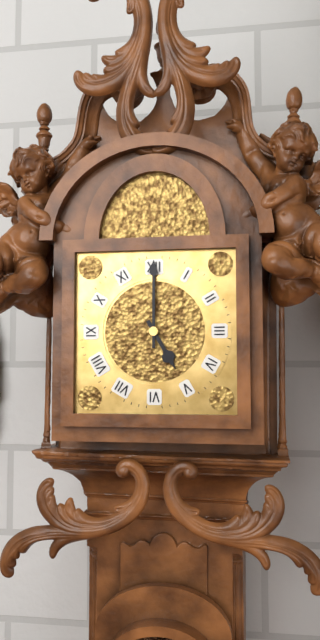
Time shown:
5.00
